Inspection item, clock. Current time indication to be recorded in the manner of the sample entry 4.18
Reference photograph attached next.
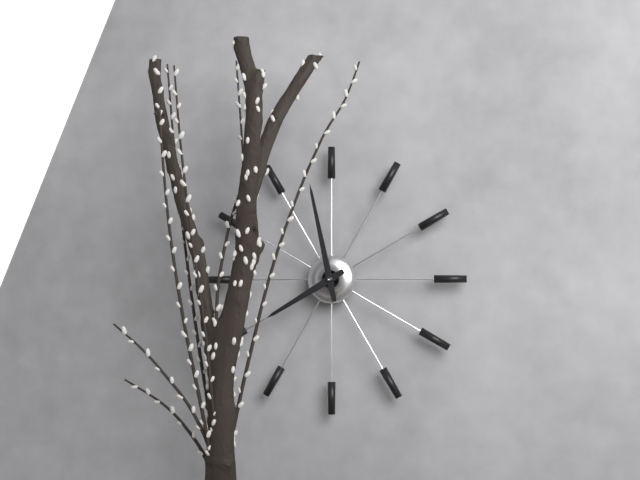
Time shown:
7.58
